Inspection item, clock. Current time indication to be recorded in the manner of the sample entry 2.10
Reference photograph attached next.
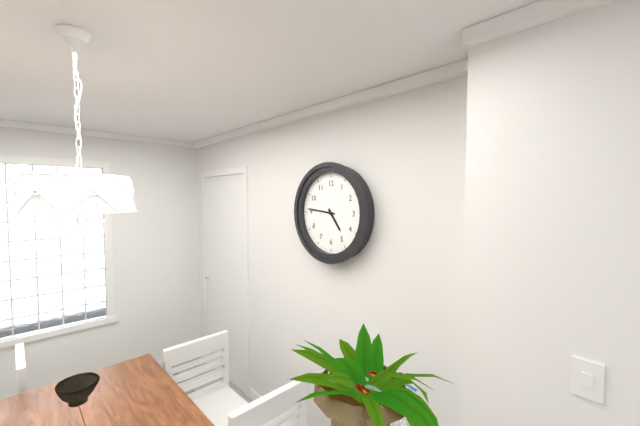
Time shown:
4.46
